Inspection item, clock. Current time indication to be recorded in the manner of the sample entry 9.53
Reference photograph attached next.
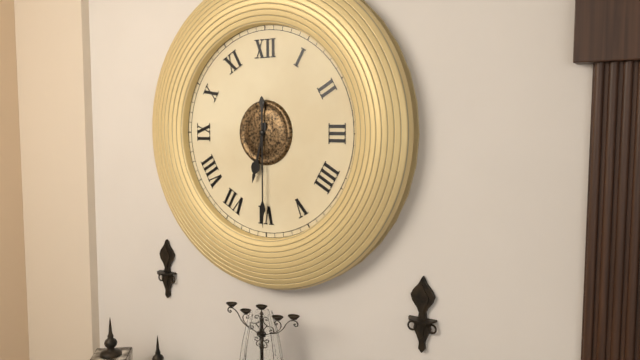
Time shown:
6.30
